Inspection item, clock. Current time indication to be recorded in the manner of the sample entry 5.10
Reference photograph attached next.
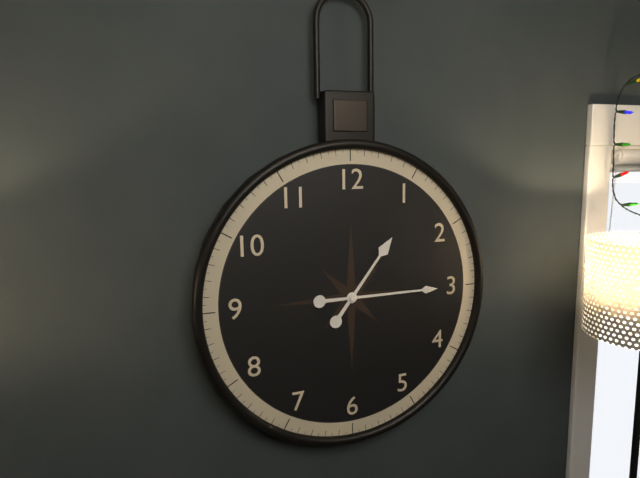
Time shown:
1.15
